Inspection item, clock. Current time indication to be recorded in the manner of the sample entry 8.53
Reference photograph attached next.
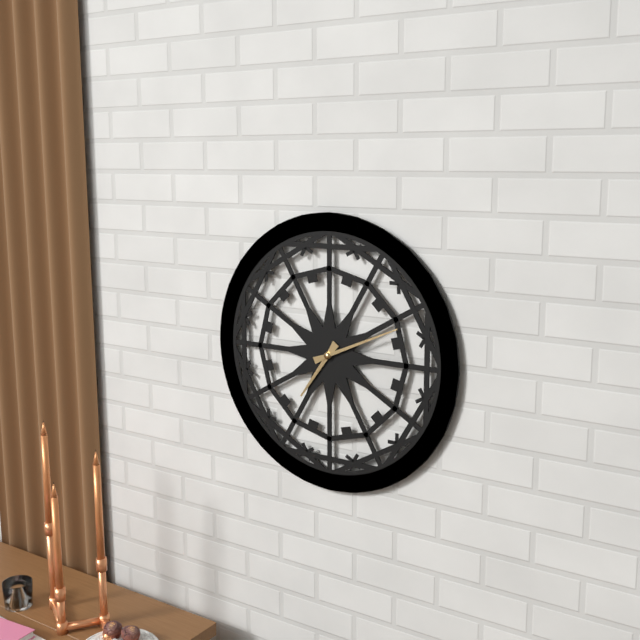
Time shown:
7.11
